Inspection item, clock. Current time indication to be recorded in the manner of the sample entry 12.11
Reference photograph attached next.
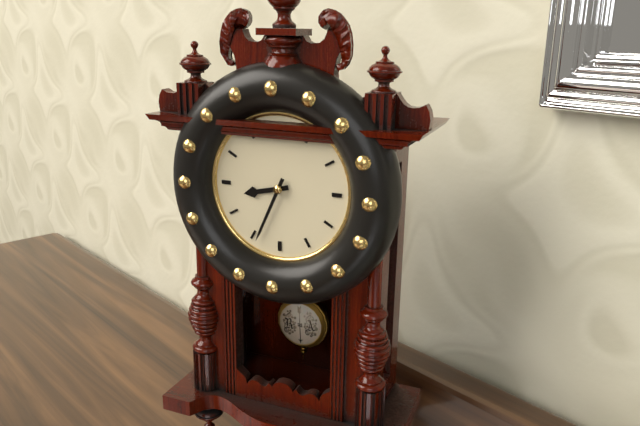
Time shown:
8.34
